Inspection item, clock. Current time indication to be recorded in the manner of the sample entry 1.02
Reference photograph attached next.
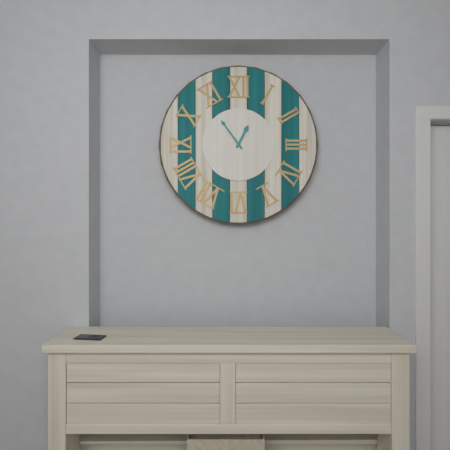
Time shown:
12.54
